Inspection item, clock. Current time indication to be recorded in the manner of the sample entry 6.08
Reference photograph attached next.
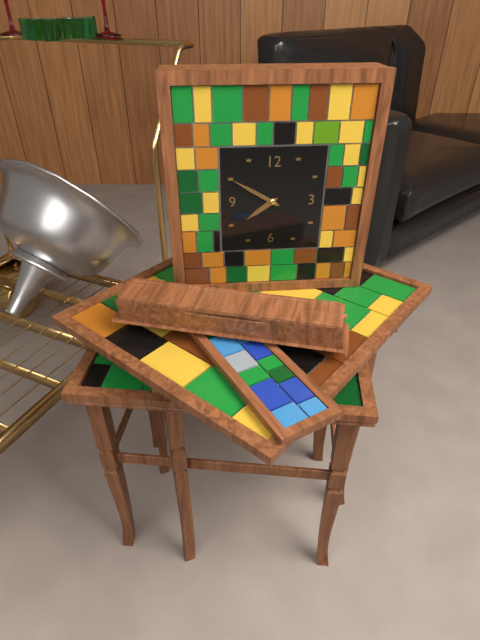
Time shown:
7.50
